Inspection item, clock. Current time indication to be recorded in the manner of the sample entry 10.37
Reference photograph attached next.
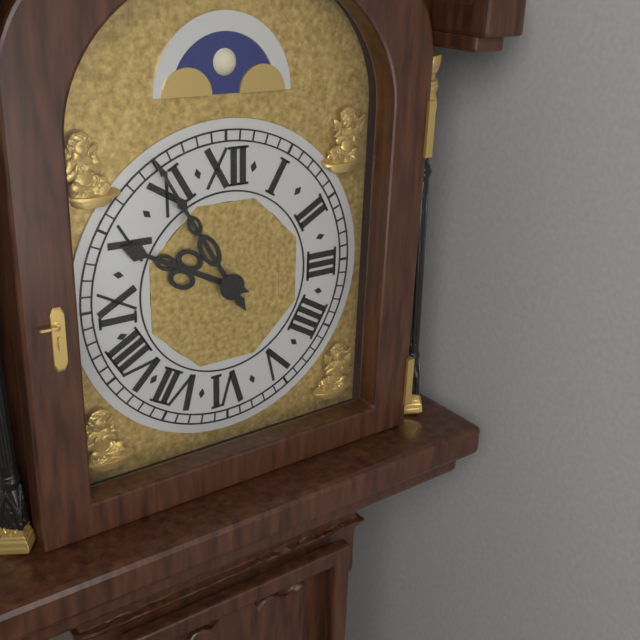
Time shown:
9.55
